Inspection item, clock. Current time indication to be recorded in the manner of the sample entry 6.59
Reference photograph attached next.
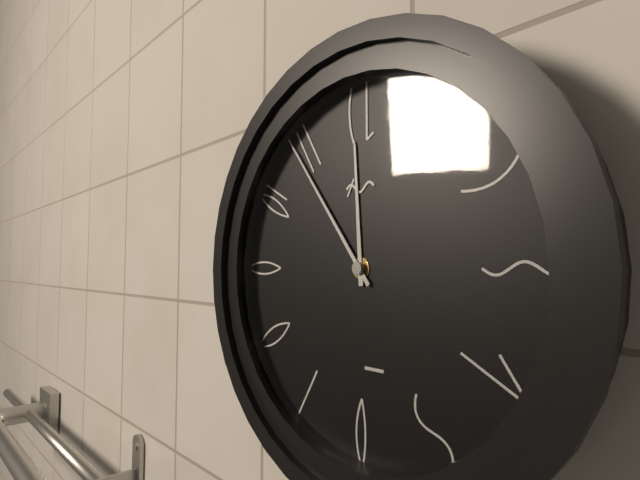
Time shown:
11.54
